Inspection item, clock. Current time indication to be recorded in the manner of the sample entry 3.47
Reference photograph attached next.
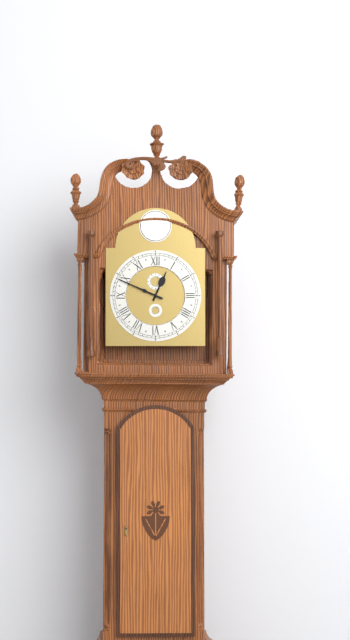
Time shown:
12.49
